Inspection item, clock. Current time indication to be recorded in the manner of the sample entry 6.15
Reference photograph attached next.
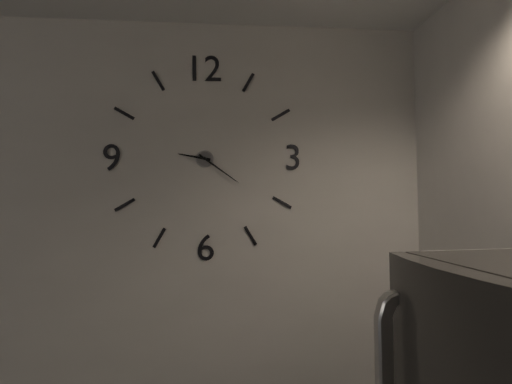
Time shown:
9.21
